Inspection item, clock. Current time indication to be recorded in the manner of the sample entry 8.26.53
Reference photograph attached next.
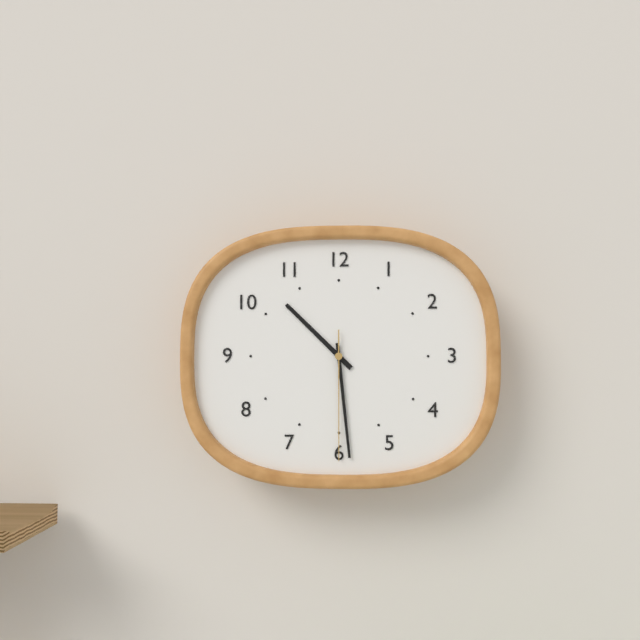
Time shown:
10.29.30
